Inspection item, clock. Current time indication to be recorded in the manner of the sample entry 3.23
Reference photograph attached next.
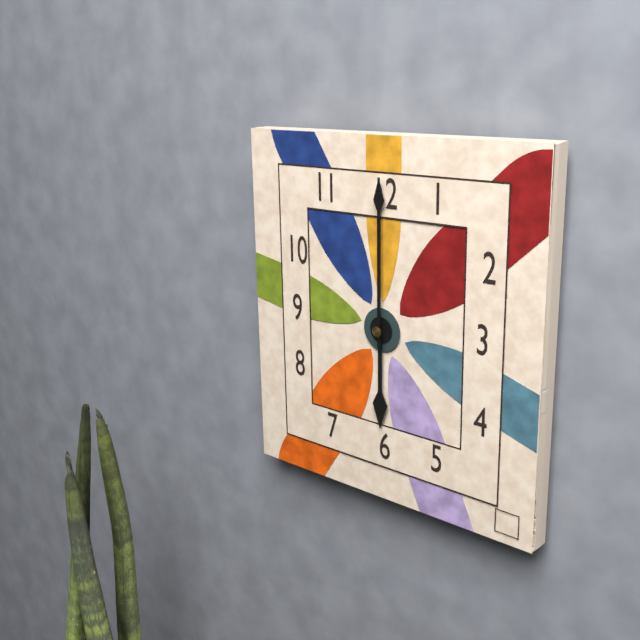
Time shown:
6.00
